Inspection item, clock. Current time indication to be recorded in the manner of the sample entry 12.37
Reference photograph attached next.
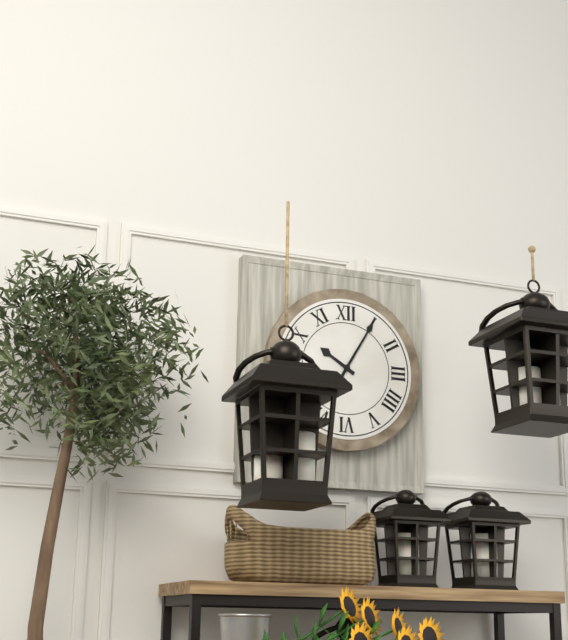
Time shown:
10.05
